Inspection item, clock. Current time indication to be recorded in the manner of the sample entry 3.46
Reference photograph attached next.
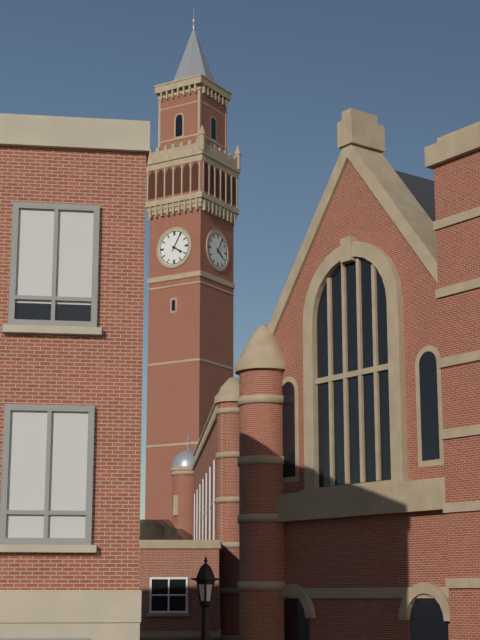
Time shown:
4.05
